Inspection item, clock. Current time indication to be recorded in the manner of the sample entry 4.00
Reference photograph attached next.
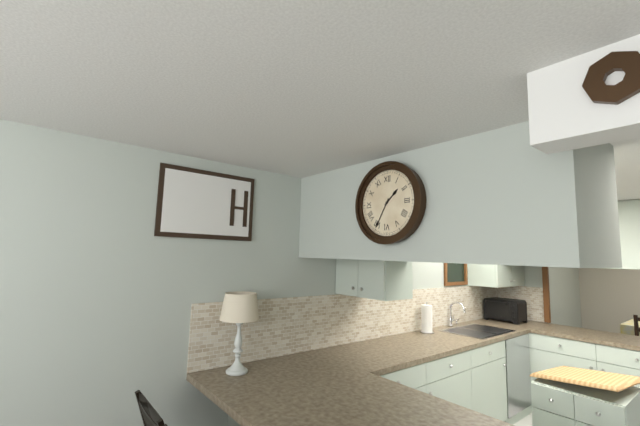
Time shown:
1.35
